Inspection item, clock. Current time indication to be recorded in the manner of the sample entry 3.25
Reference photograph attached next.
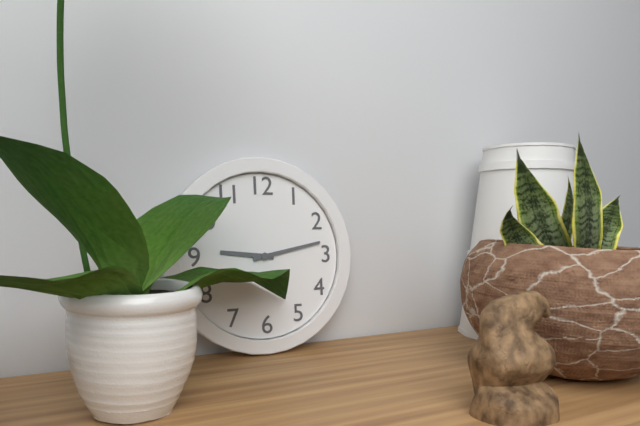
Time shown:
9.13
